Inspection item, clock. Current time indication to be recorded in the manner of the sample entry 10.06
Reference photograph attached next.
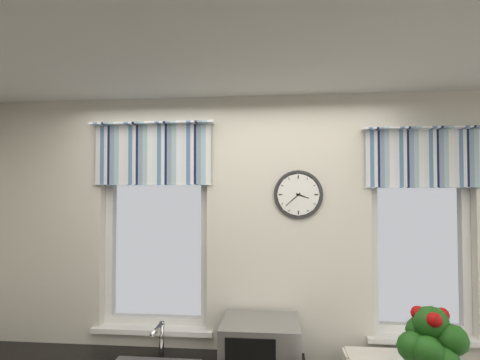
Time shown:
3.38
